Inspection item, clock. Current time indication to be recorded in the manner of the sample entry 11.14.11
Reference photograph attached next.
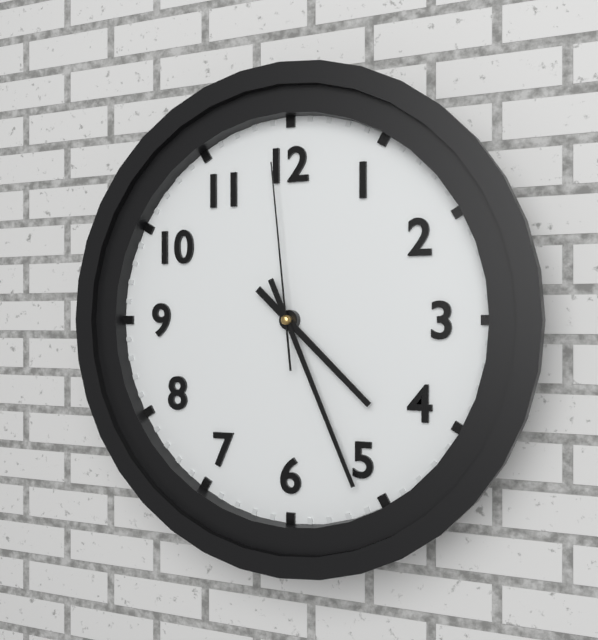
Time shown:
4.26.59
